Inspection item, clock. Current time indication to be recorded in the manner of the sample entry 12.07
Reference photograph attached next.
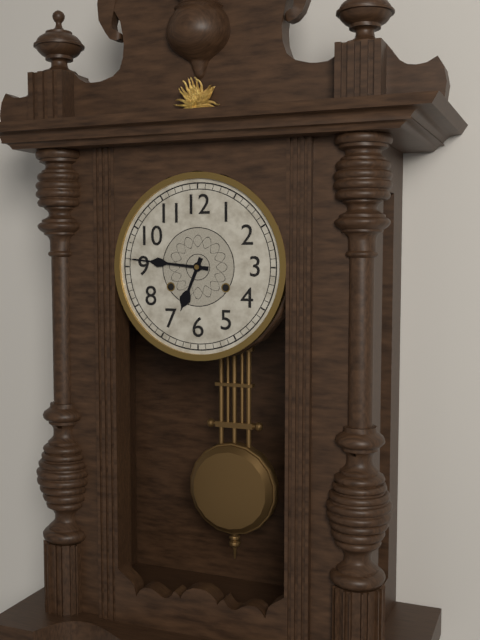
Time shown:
6.46
